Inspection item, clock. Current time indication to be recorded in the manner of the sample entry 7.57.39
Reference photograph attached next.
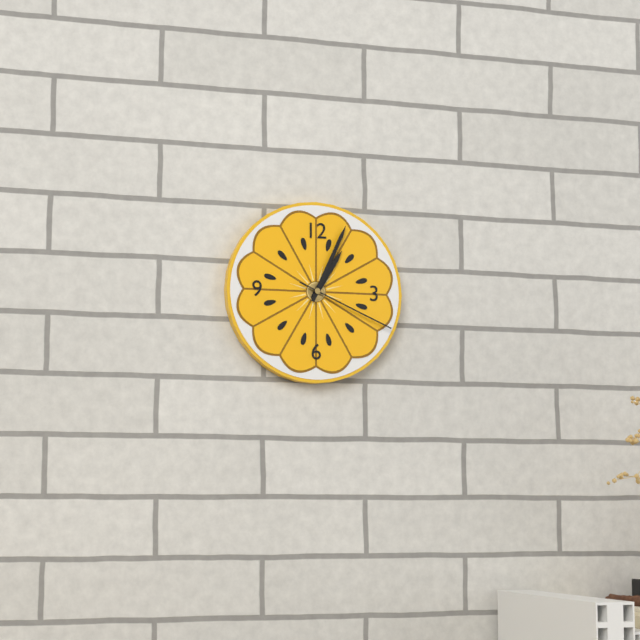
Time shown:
1.04.19
